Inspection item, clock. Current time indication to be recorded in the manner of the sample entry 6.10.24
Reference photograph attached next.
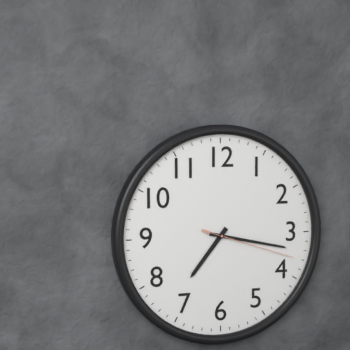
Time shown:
7.17.18
